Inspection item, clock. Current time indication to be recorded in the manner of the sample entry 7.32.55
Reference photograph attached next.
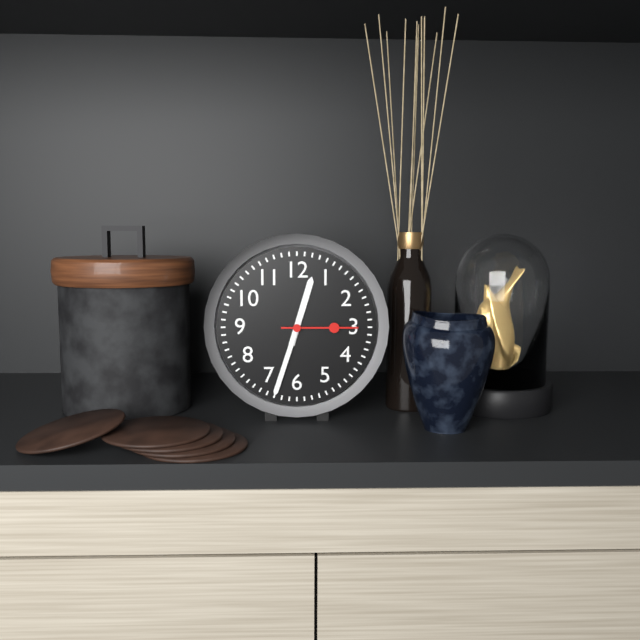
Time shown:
12.33.15
